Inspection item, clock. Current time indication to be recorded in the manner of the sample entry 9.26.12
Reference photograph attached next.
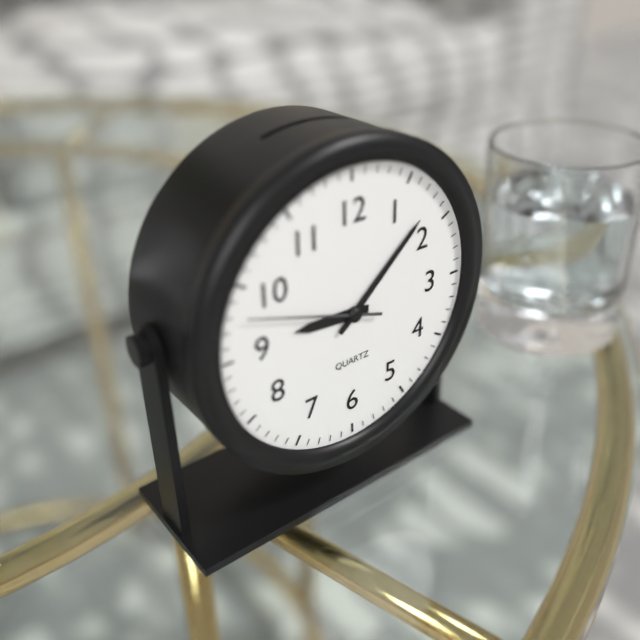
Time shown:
9.08.48
